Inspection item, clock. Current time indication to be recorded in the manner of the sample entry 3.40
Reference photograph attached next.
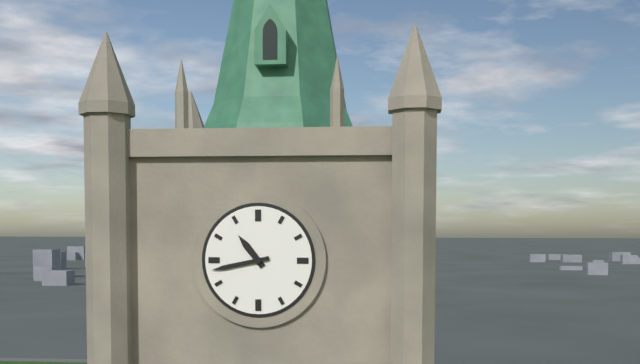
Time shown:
10.43
